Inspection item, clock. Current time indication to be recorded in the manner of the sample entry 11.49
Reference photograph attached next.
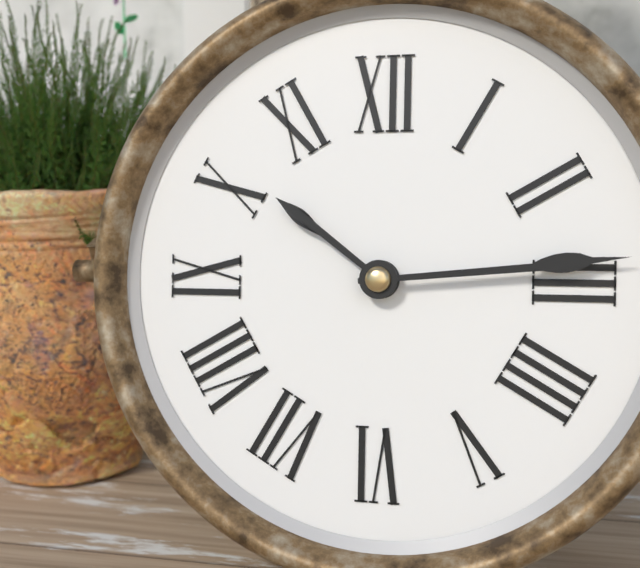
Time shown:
10.14
